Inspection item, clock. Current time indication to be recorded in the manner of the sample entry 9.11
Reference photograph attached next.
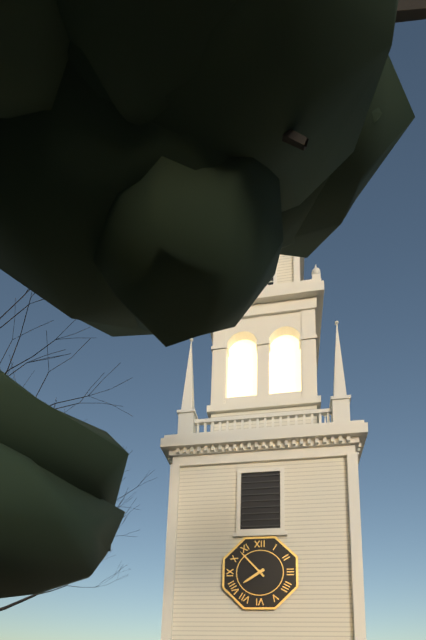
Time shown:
7.53
